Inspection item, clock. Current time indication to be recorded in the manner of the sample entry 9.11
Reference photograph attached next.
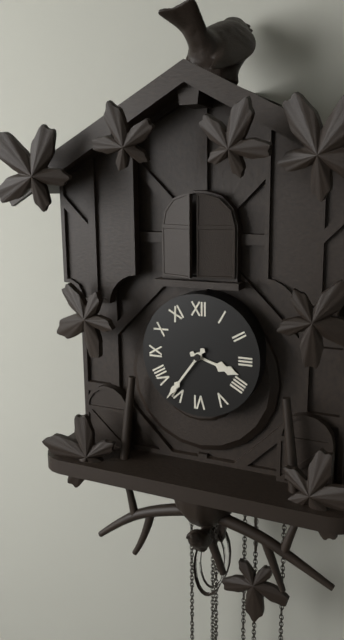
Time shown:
3.36
